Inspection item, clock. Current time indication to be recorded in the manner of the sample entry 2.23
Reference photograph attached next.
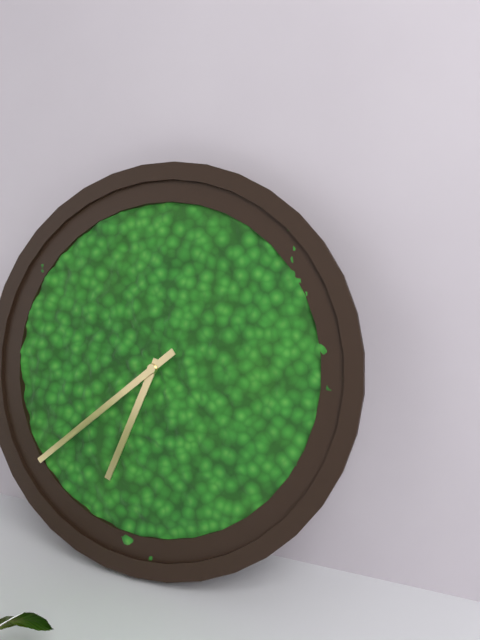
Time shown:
6.38
